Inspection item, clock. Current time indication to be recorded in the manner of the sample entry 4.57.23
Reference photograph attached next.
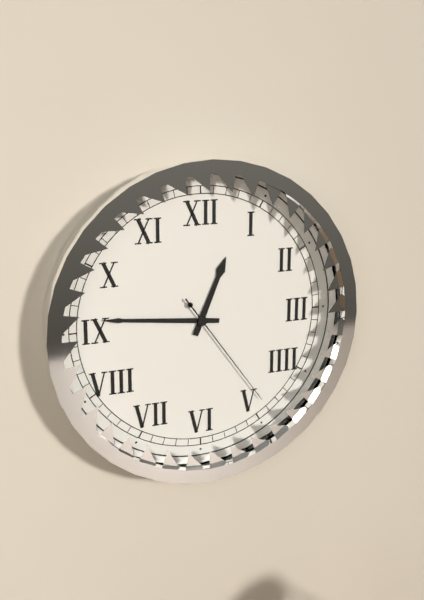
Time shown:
12.46.24
